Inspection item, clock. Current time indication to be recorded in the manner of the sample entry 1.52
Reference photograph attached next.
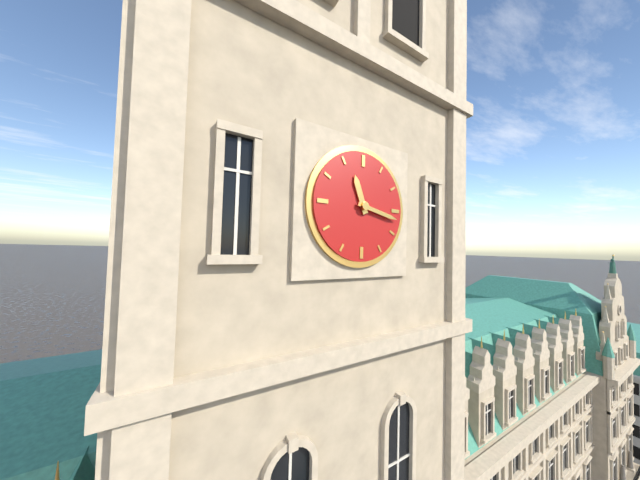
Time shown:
11.17
